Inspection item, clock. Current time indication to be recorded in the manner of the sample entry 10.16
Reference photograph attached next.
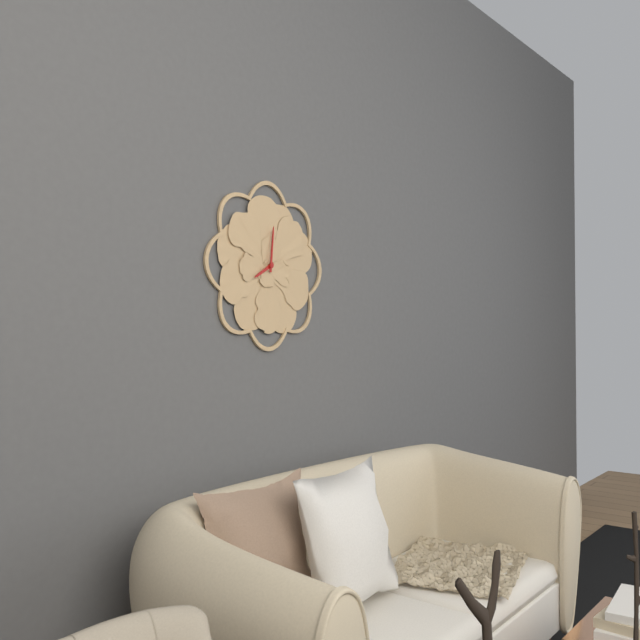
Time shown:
8.01
